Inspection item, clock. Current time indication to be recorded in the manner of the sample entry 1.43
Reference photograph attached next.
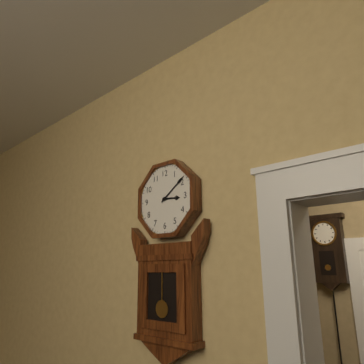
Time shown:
3.09
